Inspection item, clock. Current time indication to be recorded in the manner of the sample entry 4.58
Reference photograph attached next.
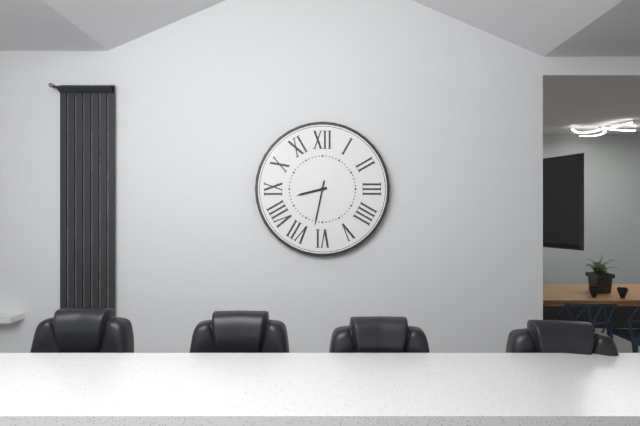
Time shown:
8.32
